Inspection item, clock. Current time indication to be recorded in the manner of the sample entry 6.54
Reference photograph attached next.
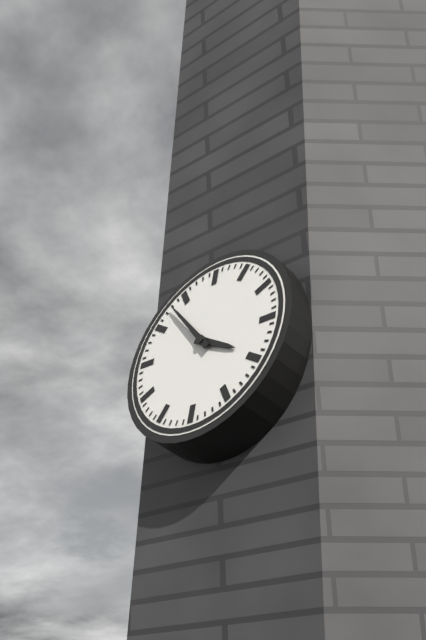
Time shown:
3.53
